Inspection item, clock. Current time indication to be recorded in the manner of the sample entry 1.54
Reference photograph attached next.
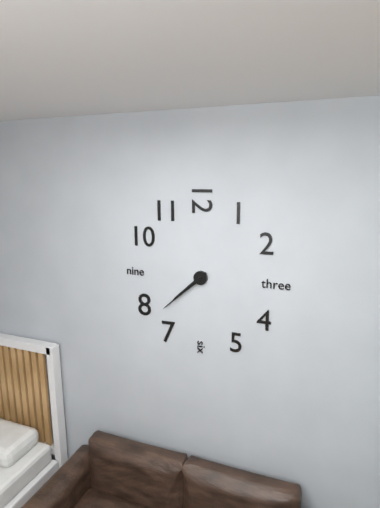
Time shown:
7.38
